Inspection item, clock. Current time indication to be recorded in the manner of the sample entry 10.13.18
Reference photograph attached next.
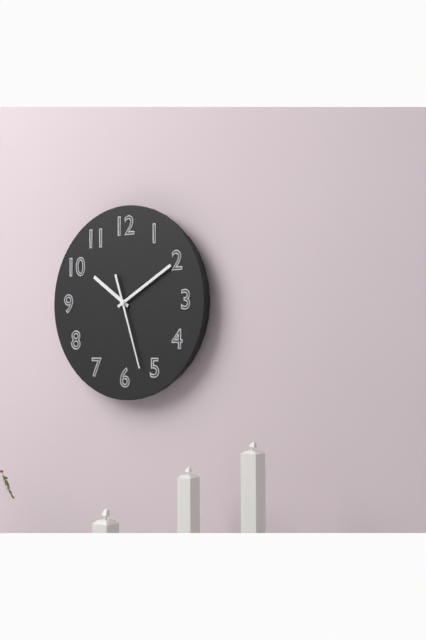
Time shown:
10.10.27
